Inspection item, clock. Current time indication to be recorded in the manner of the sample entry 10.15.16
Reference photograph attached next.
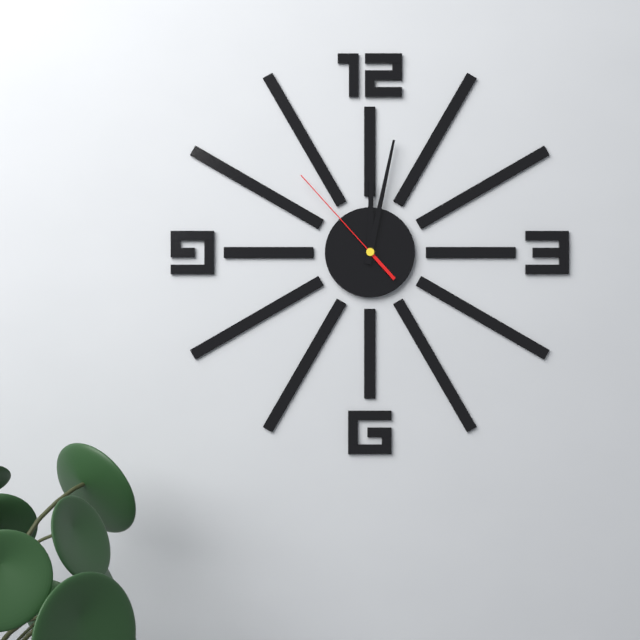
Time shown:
12.02.53
